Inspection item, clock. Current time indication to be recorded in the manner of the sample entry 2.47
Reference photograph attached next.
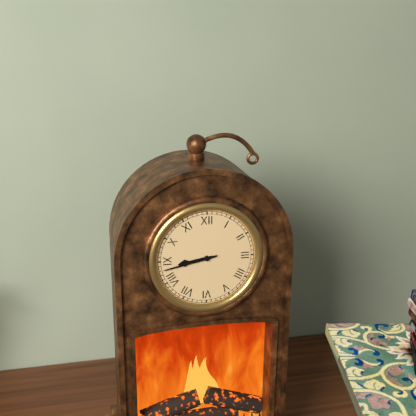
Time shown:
8.43
